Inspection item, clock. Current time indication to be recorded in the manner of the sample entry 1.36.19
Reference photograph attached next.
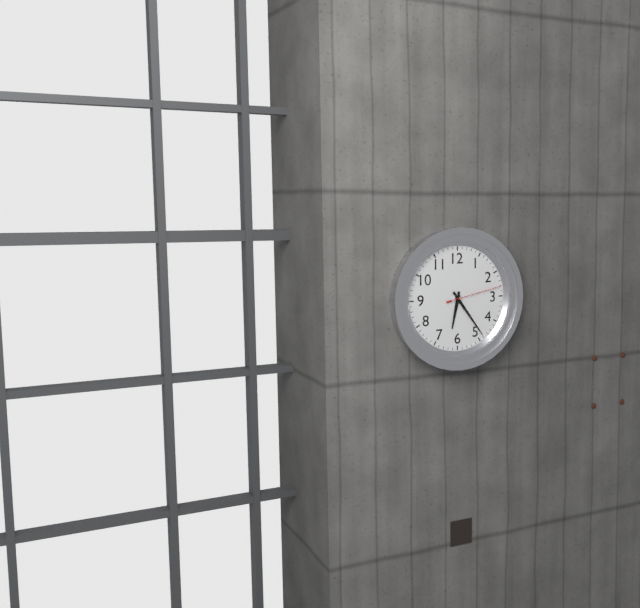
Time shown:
6.24.13
